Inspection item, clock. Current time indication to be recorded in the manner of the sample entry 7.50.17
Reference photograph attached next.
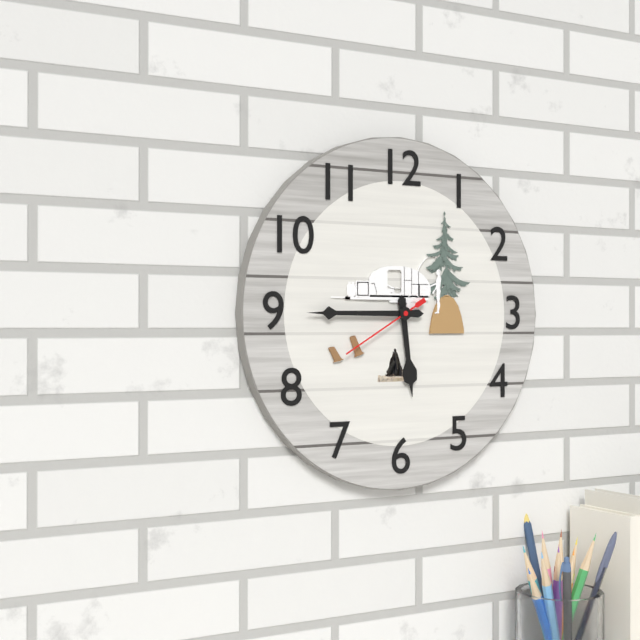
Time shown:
5.45.40
